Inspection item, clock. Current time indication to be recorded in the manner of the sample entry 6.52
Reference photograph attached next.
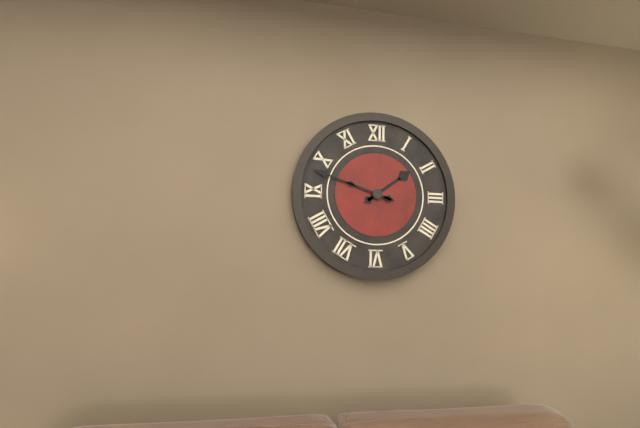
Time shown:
1.48
